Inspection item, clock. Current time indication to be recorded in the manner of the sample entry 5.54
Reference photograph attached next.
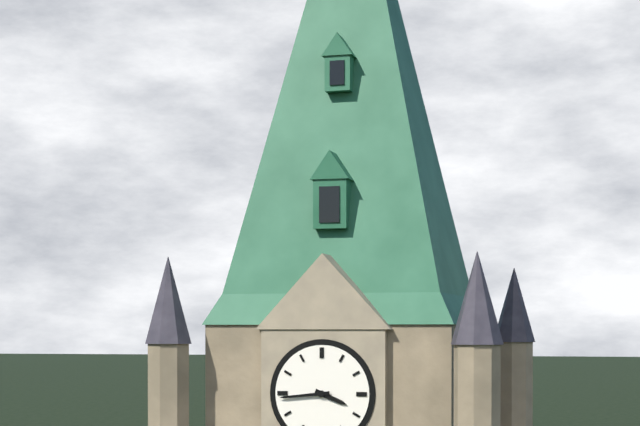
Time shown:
3.44
